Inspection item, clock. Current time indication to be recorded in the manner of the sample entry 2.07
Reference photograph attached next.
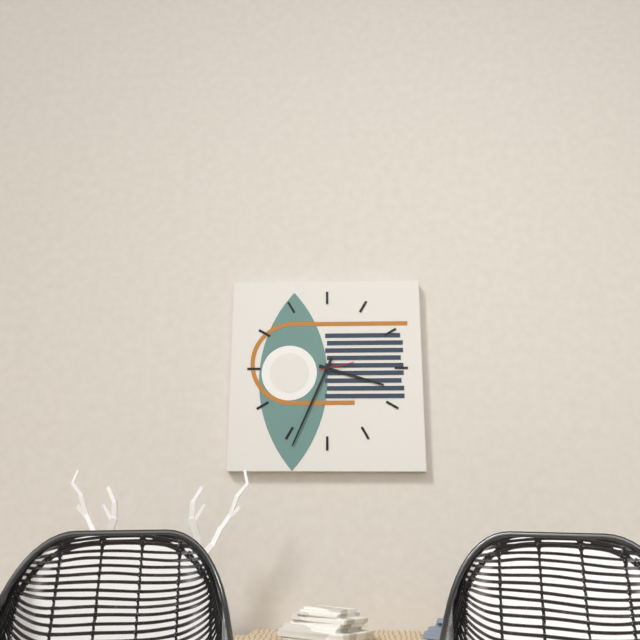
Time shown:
3.34
